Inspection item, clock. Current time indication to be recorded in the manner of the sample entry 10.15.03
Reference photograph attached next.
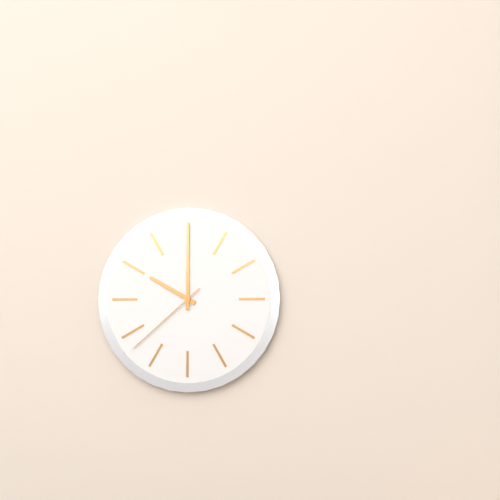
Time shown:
10.00.38
